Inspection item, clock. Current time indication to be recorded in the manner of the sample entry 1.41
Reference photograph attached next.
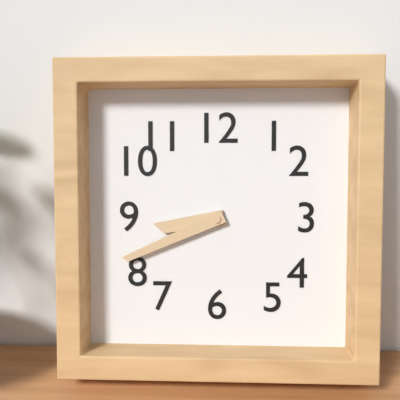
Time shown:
8.41
